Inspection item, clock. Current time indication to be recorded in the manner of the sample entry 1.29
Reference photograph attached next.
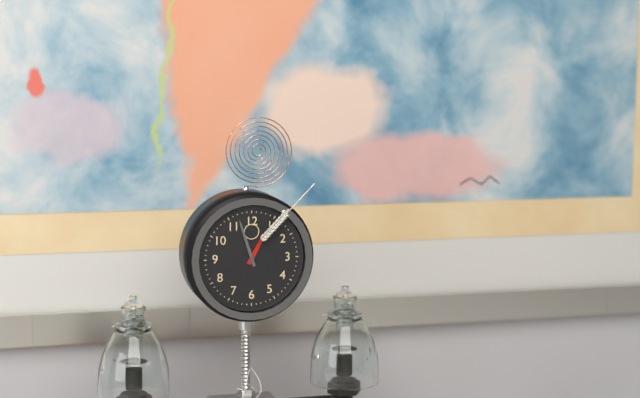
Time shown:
12.57
